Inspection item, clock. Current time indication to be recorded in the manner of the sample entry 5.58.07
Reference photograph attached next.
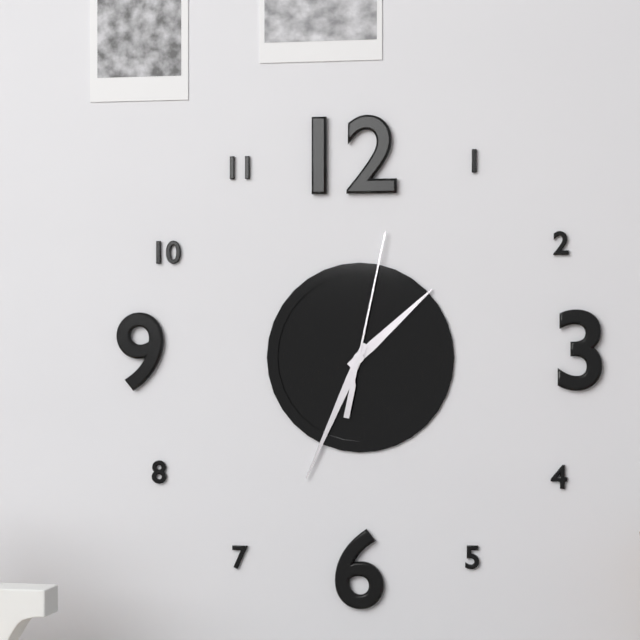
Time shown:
1.34.02
